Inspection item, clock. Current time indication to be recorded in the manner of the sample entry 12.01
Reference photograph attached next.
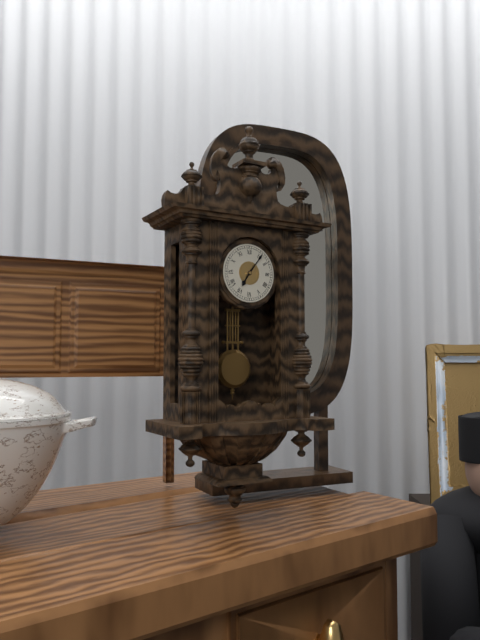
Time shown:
7.06
